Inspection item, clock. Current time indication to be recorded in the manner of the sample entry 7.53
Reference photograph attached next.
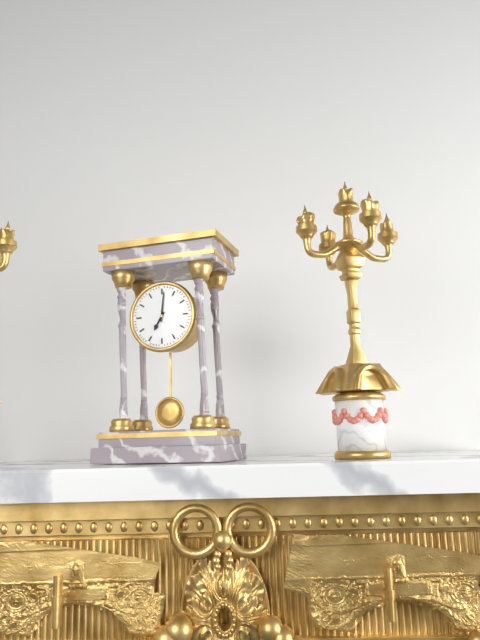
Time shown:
7.01
